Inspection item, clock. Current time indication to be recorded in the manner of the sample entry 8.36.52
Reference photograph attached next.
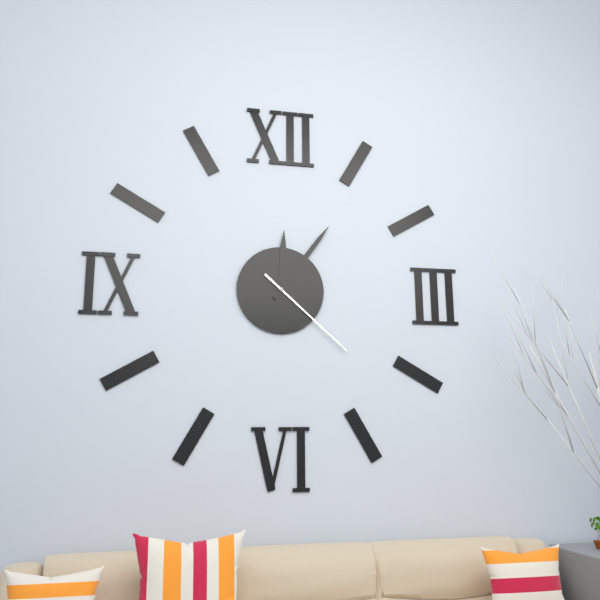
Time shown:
12.06.22
